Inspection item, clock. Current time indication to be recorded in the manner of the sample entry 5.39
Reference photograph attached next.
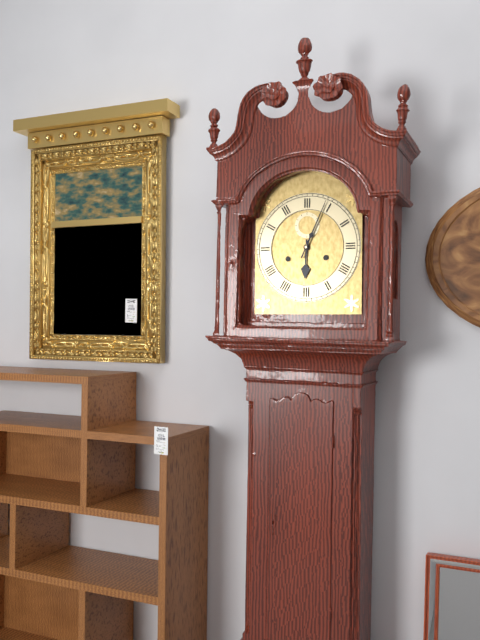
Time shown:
6.04
